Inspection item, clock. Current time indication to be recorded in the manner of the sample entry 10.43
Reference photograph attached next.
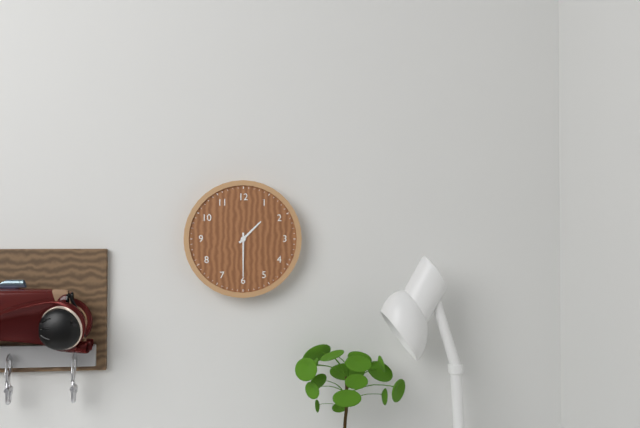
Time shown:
1.30
